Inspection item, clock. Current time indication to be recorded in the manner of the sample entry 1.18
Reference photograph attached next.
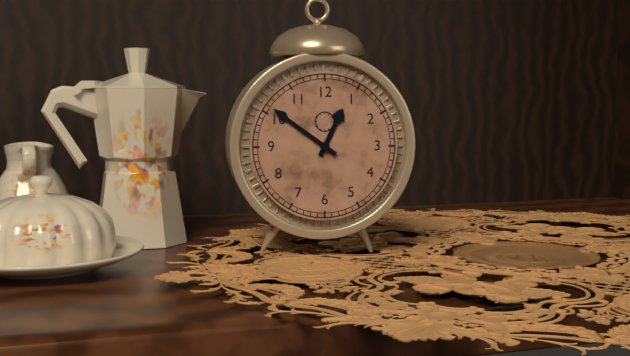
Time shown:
12.51
